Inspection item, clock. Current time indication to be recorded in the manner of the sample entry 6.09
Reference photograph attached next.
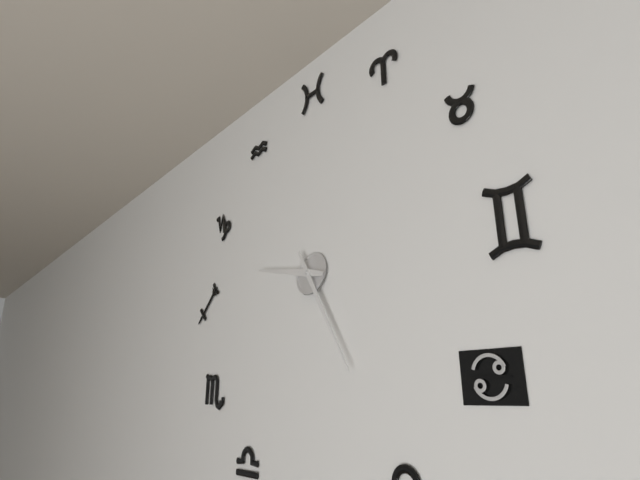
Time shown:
9.25
